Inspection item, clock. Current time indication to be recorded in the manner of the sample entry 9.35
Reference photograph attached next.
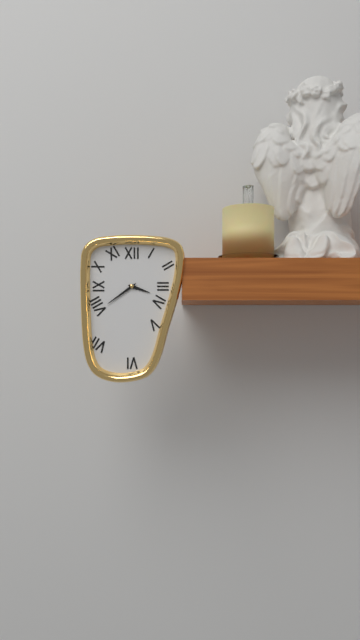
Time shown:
3.39
